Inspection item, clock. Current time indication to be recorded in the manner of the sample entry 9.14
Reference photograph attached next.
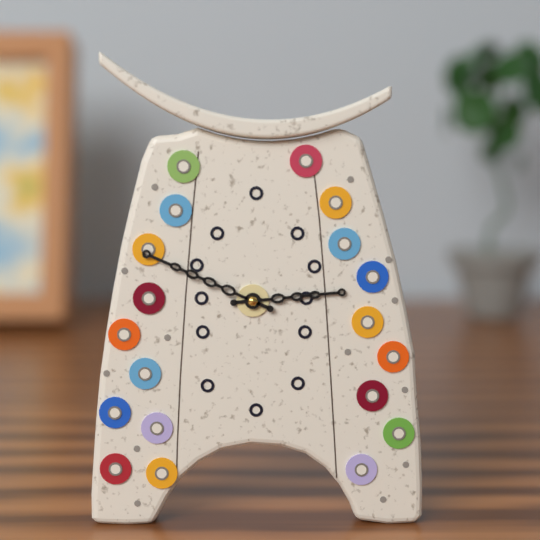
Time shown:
2.49
